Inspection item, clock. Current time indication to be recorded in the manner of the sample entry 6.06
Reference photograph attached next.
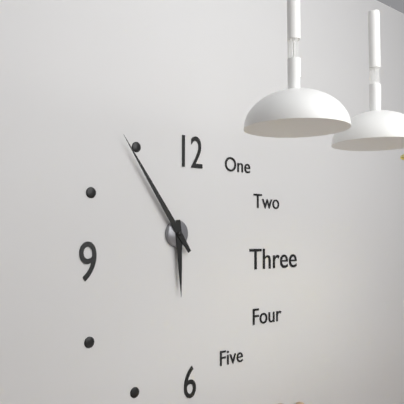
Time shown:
5.54
